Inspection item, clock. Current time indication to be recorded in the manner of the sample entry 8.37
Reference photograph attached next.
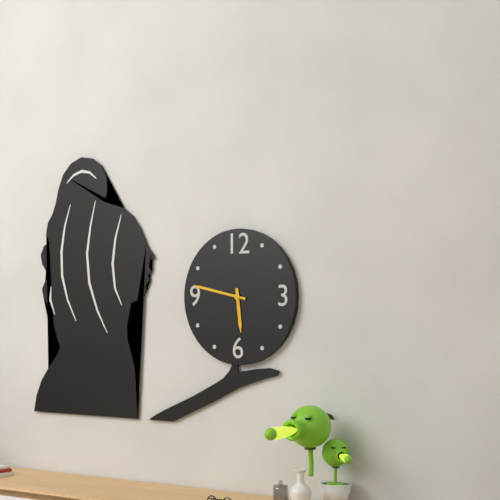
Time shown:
5.47
